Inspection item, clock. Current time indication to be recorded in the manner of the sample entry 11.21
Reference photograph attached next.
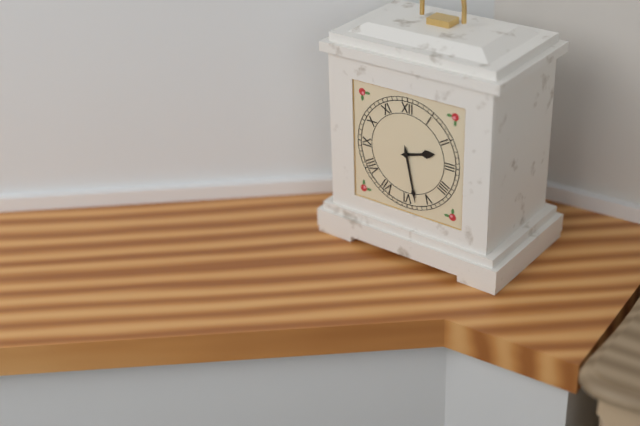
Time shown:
2.28
